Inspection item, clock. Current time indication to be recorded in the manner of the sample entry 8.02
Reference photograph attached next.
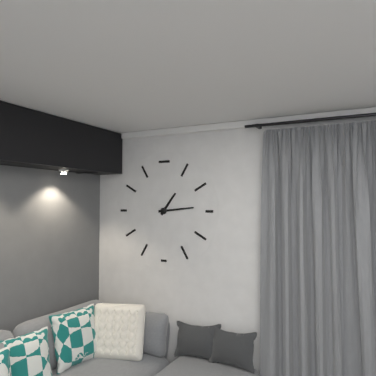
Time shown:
1.14
